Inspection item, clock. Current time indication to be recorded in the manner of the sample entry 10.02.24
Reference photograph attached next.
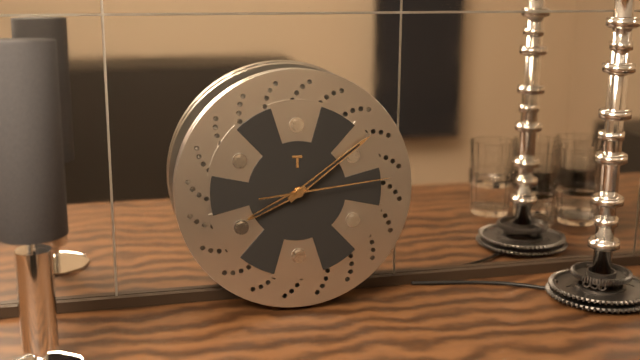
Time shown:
8.09.14
